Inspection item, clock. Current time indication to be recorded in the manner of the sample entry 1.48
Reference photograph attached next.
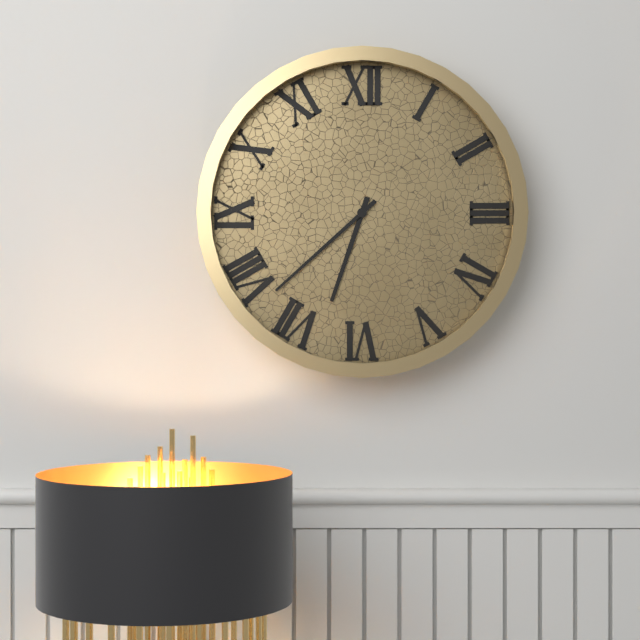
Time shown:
6.38
